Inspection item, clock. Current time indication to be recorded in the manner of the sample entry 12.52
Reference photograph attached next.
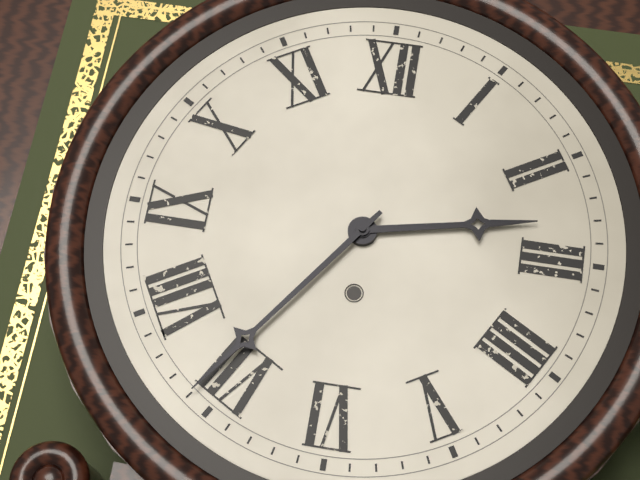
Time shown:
2.36
